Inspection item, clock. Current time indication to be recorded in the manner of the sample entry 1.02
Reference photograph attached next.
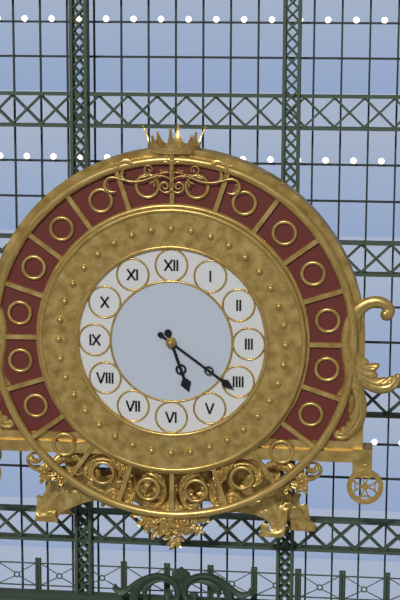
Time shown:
5.21
